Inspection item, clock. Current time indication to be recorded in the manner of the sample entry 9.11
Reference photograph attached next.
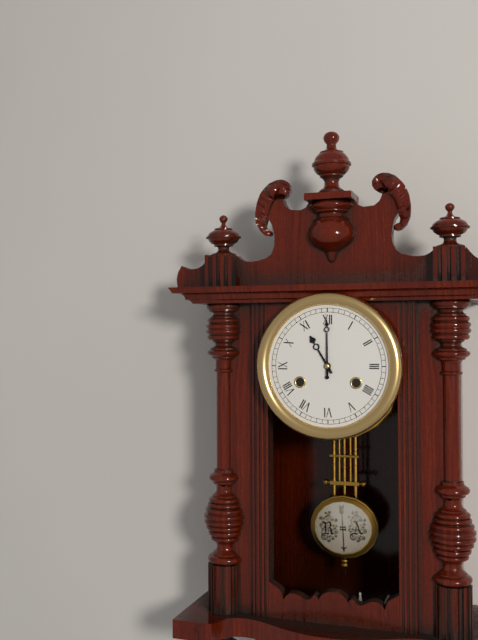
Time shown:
11.00
